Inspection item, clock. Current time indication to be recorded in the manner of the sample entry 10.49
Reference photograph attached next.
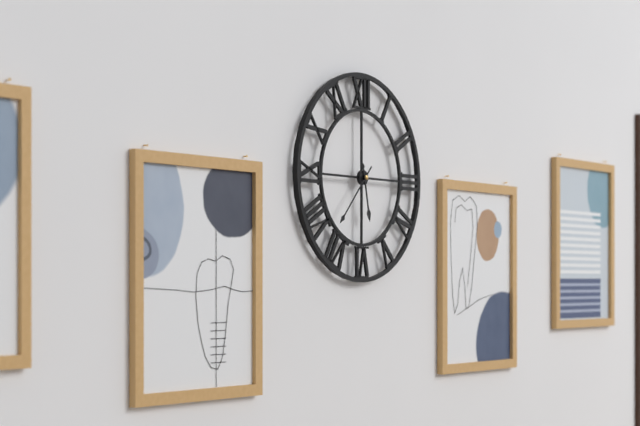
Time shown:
5.37
